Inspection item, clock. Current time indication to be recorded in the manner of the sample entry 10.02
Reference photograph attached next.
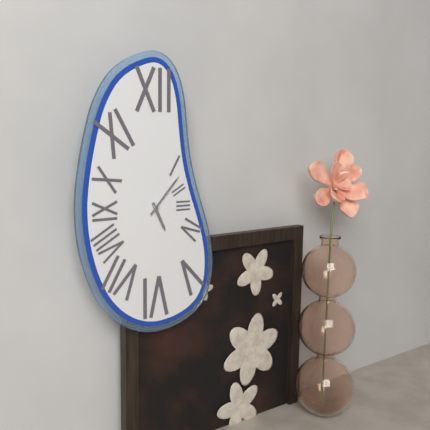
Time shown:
5.07
